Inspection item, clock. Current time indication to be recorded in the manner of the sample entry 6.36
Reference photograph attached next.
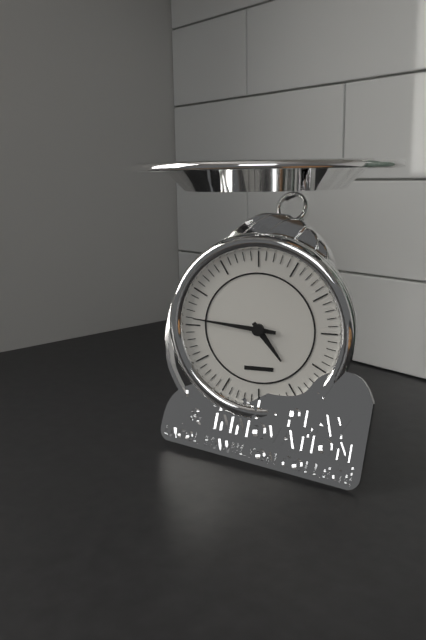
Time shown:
4.46
